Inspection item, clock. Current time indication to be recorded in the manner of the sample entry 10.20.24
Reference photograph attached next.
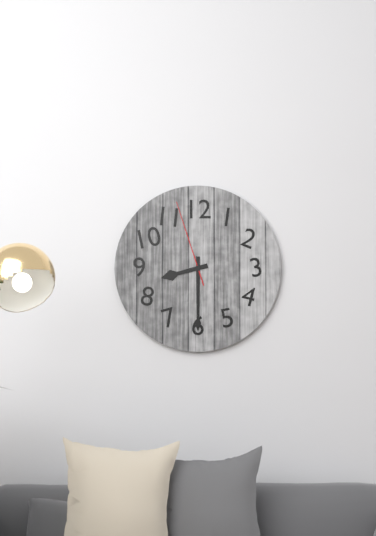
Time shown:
8.30.57
